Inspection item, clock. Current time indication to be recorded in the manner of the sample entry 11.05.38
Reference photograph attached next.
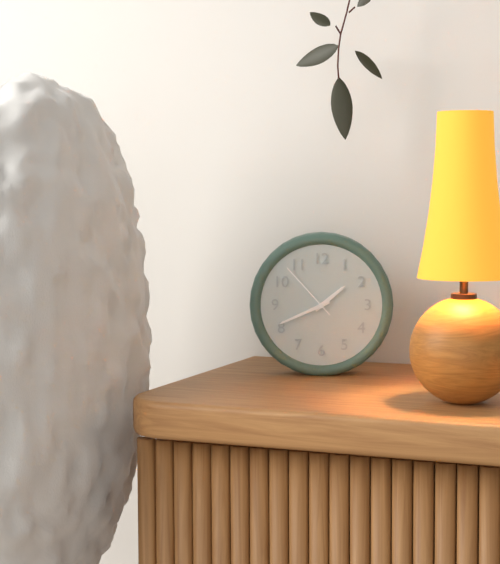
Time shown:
1.41.53
